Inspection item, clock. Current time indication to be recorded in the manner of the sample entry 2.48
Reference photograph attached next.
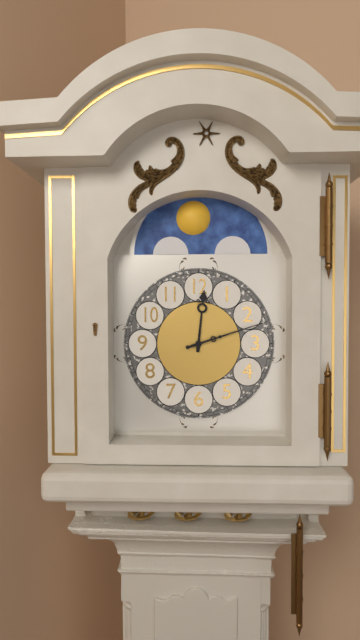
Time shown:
12.12
